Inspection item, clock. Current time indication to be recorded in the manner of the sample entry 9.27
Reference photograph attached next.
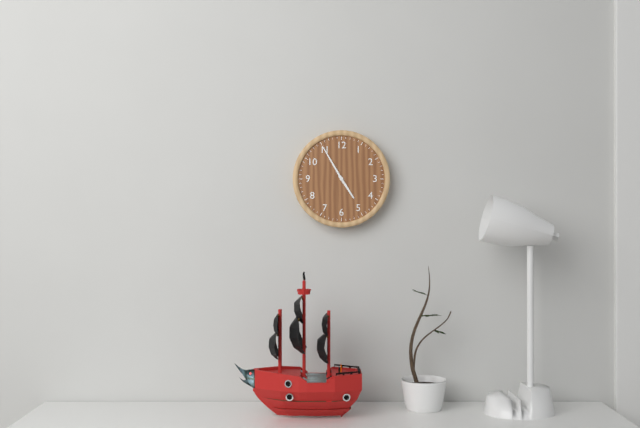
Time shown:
4.55
